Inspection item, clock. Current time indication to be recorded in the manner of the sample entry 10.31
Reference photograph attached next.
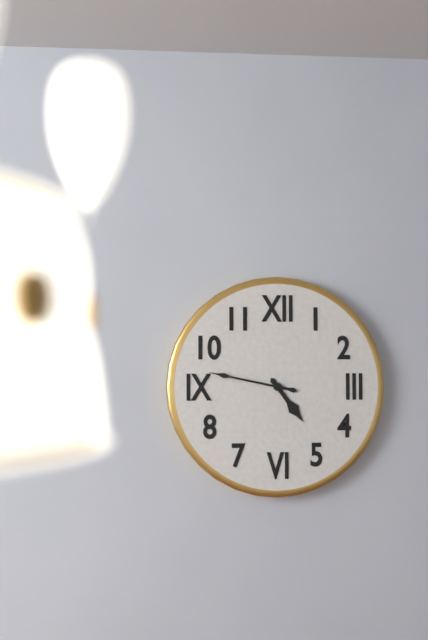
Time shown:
4.47
